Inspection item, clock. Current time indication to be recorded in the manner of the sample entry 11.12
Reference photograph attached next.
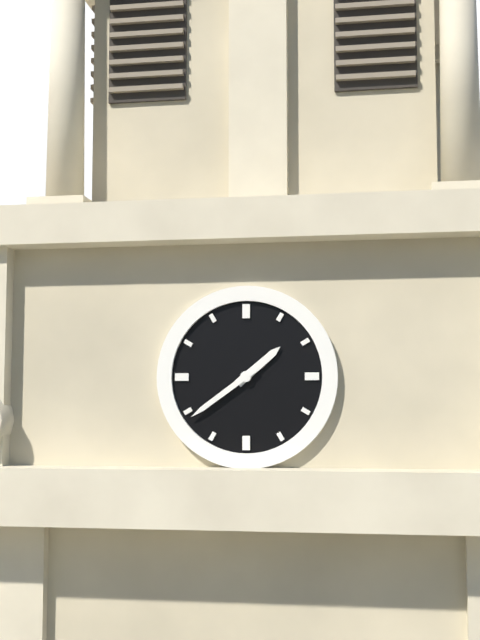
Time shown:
1.39
